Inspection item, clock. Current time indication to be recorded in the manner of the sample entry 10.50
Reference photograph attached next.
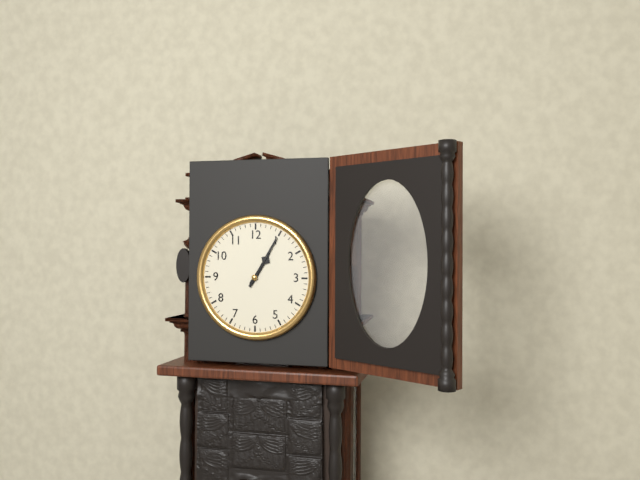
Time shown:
1.05
